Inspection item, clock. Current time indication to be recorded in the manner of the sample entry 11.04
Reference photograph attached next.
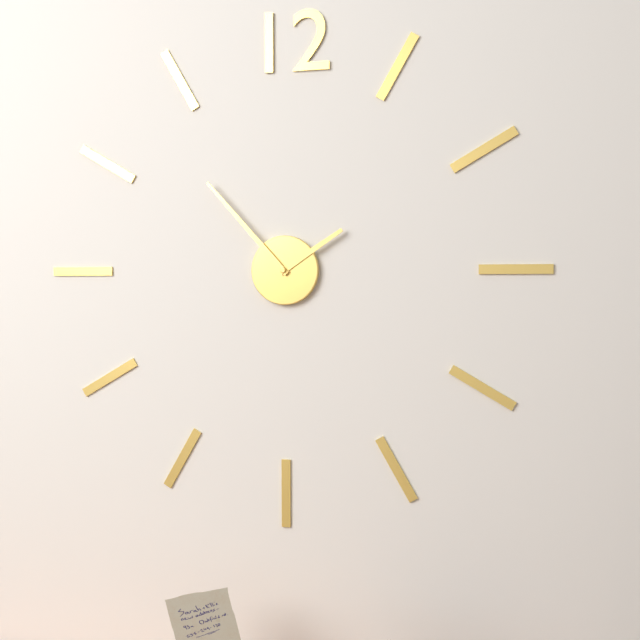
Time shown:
1.53
